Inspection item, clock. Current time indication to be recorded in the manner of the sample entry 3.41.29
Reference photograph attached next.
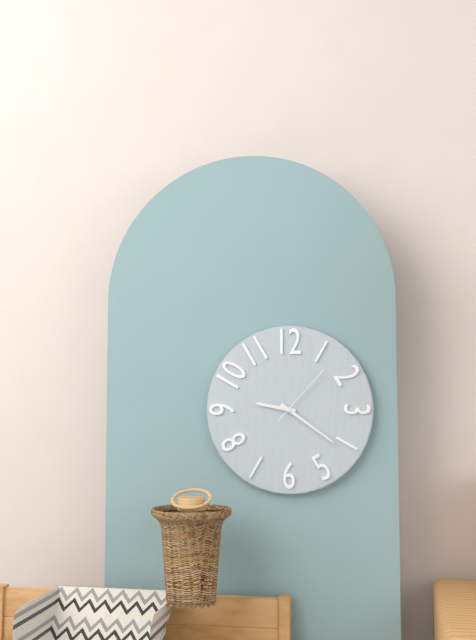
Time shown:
9.21.07
